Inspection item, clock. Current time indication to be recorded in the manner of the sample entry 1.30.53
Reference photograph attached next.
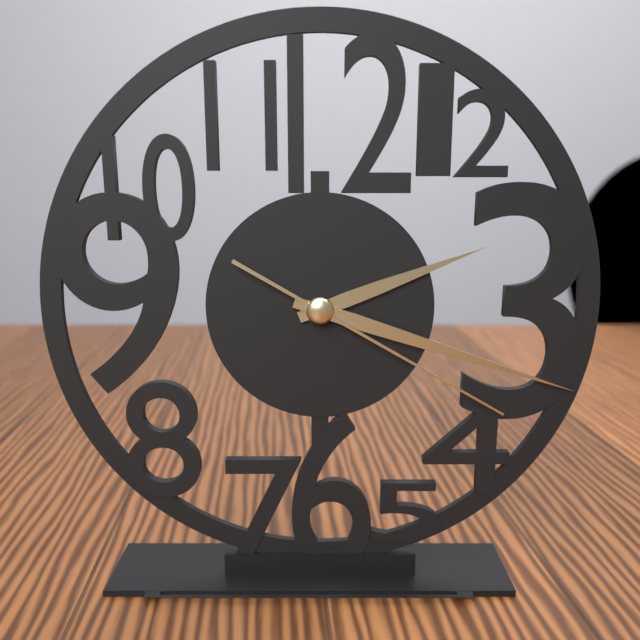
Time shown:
2.18.20
